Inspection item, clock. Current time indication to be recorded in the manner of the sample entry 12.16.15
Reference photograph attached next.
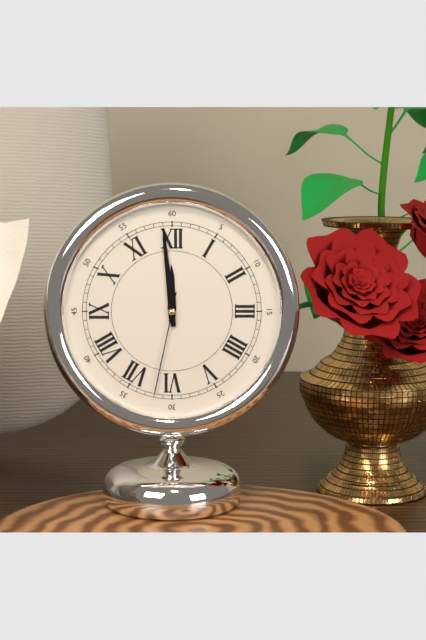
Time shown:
11.59.32
